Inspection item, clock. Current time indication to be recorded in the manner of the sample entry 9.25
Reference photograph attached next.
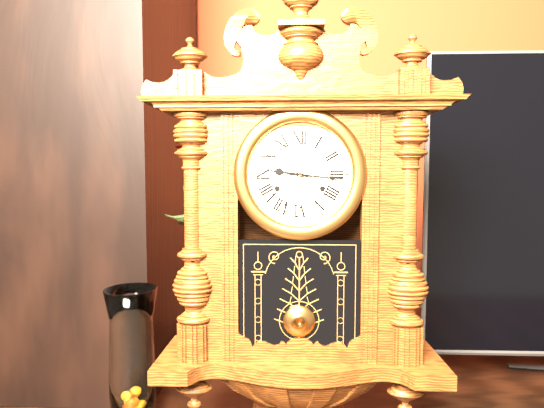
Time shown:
9.16
